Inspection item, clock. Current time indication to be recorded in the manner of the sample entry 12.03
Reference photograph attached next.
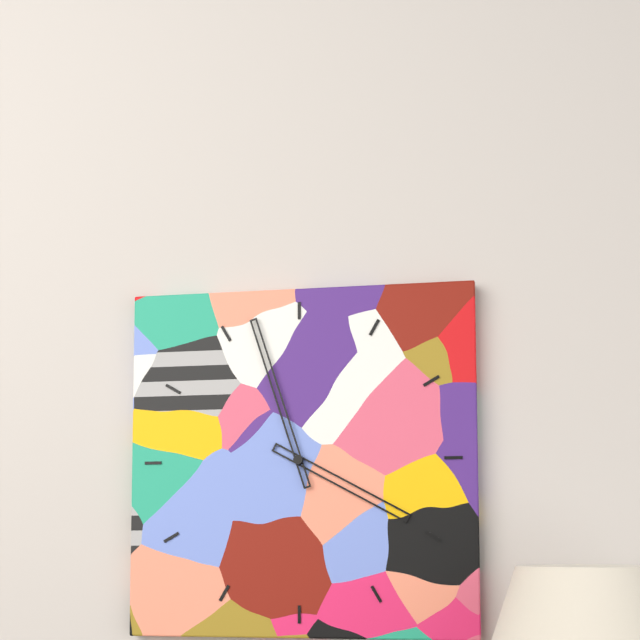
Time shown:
3.57
